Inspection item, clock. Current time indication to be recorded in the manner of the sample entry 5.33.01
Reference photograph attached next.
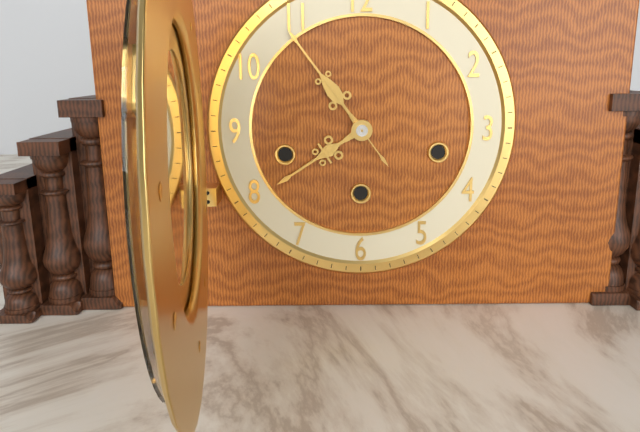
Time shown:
7.54.54
